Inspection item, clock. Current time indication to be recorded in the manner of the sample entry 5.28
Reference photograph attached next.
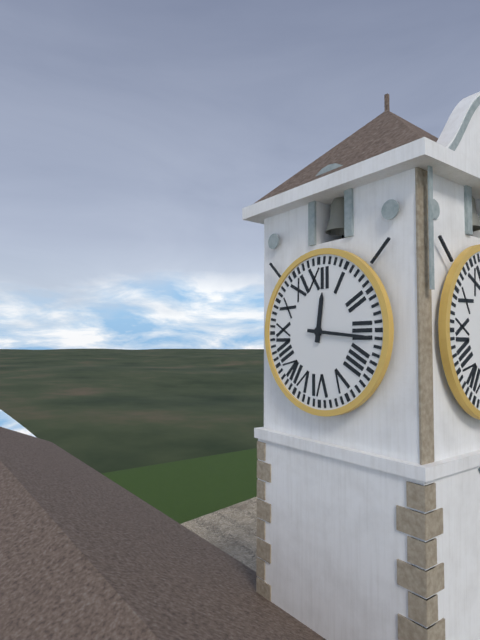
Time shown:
12.16
